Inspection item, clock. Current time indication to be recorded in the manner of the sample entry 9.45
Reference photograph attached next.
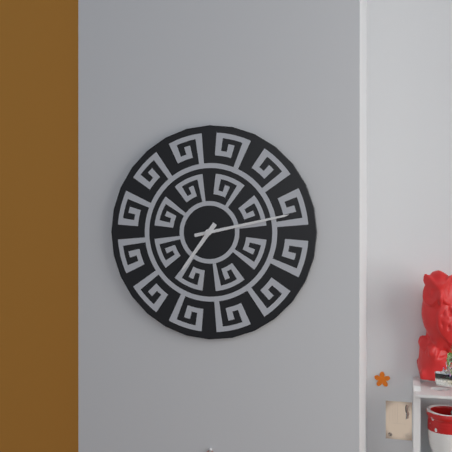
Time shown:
7.13
